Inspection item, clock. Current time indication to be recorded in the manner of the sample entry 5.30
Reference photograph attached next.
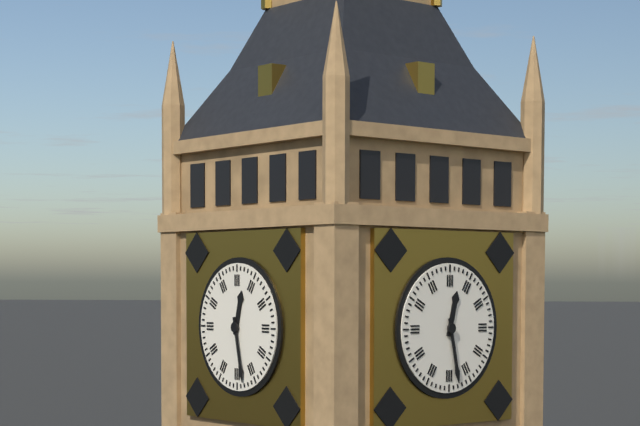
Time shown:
12.28
